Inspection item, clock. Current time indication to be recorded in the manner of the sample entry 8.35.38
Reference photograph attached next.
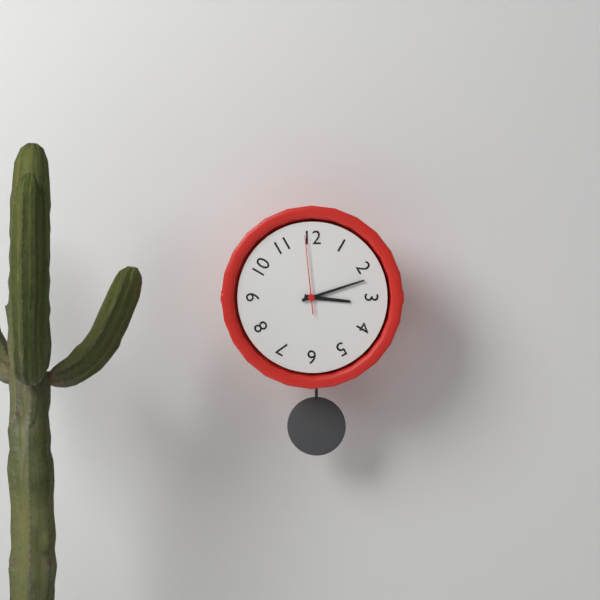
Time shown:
3.12.59
